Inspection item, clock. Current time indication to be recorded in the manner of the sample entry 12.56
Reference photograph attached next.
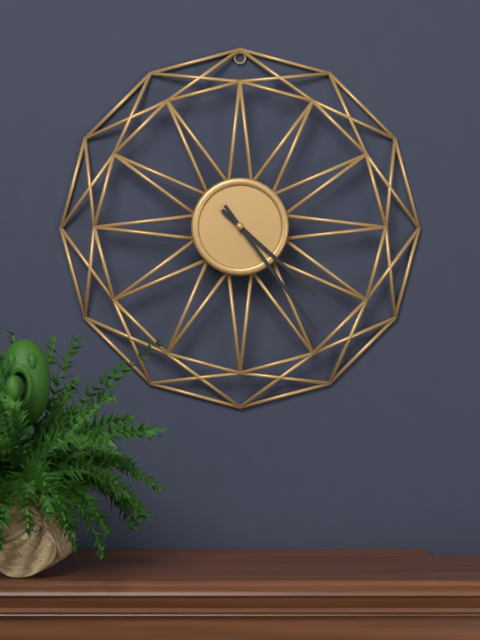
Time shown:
4.24
